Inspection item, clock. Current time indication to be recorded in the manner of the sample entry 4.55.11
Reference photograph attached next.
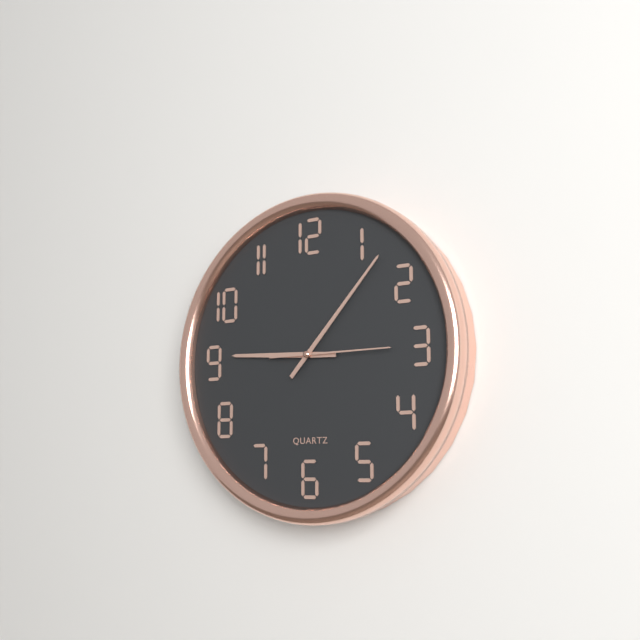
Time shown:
9.07.15
